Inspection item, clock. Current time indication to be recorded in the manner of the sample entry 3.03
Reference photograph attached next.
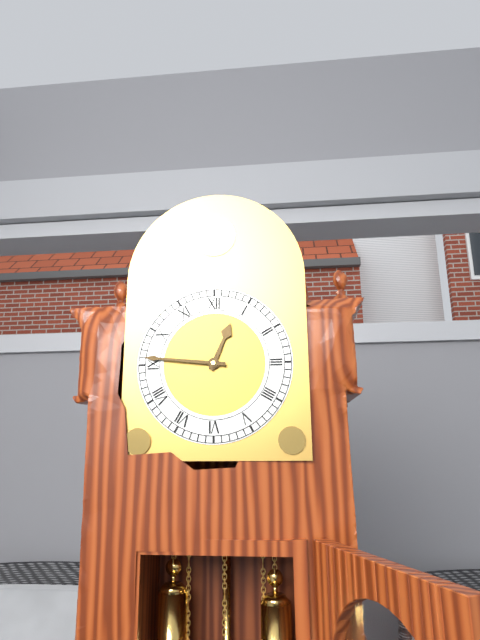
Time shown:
12.46
